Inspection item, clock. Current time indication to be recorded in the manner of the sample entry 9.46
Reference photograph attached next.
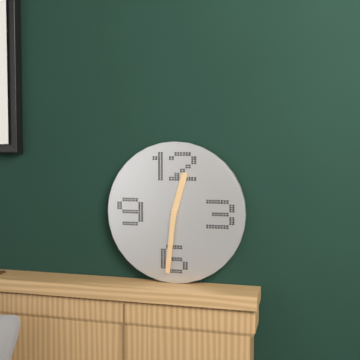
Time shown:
12.31
